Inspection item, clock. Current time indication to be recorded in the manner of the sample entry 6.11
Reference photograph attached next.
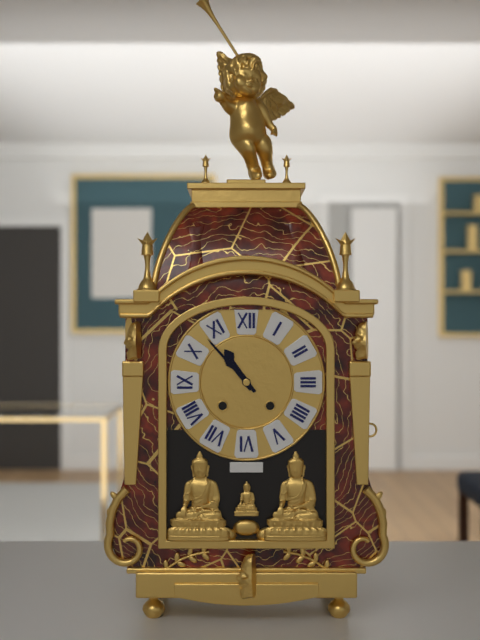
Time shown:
10.53
